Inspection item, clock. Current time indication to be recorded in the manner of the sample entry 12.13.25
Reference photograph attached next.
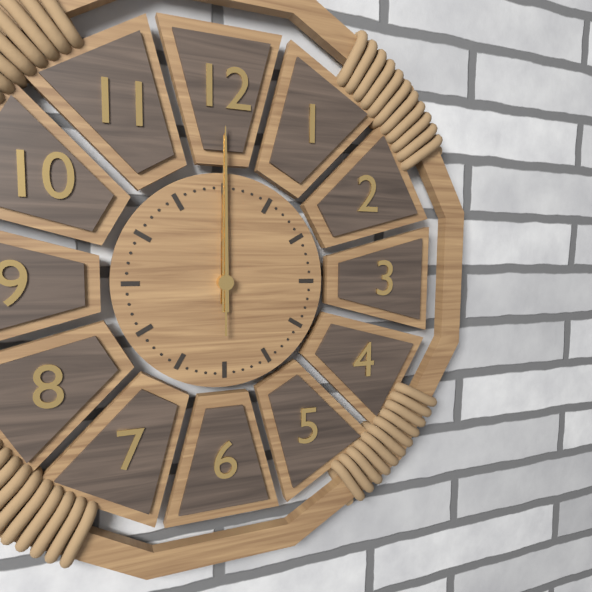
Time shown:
12.00.00
